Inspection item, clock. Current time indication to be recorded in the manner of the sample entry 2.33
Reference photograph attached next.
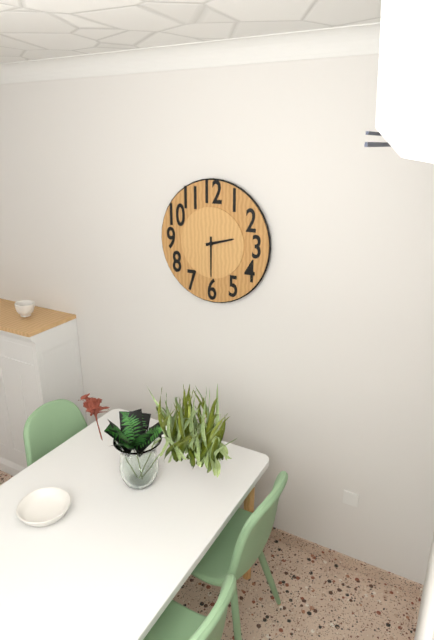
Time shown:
2.30
